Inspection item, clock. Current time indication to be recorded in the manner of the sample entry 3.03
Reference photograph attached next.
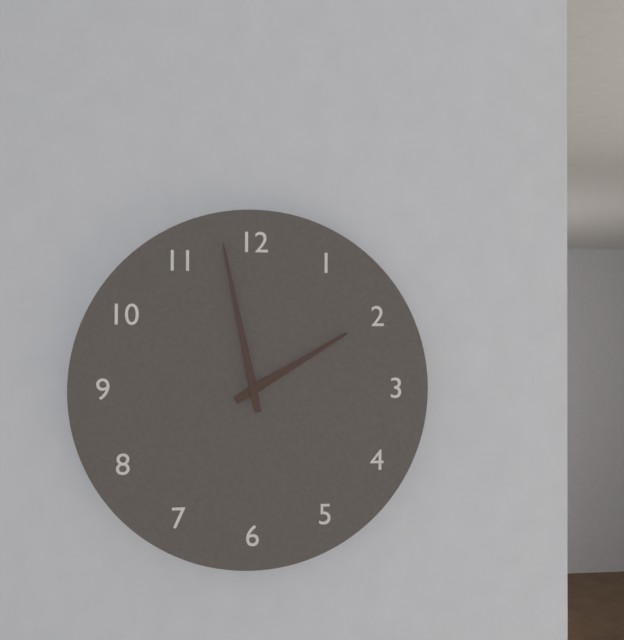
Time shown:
1.58
